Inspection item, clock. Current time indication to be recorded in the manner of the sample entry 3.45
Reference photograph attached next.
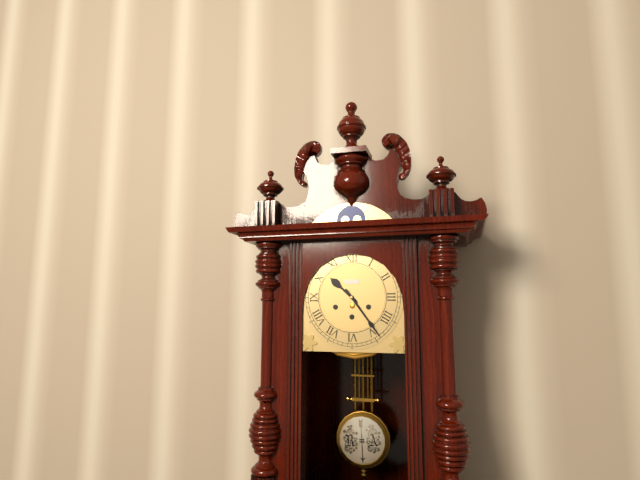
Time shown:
10.24
